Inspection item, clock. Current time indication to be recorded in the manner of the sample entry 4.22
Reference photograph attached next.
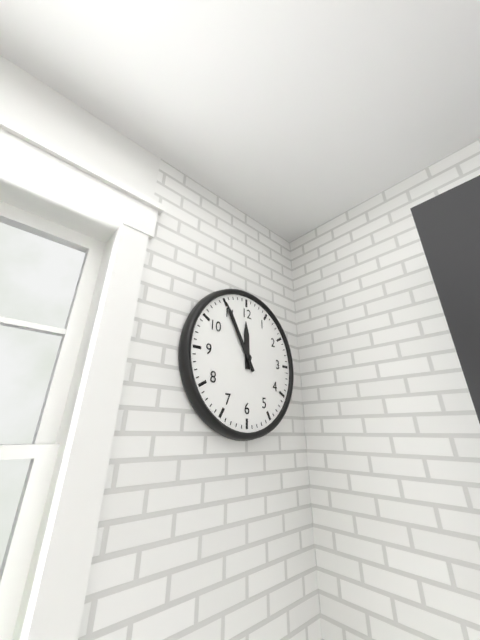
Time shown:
11.55
